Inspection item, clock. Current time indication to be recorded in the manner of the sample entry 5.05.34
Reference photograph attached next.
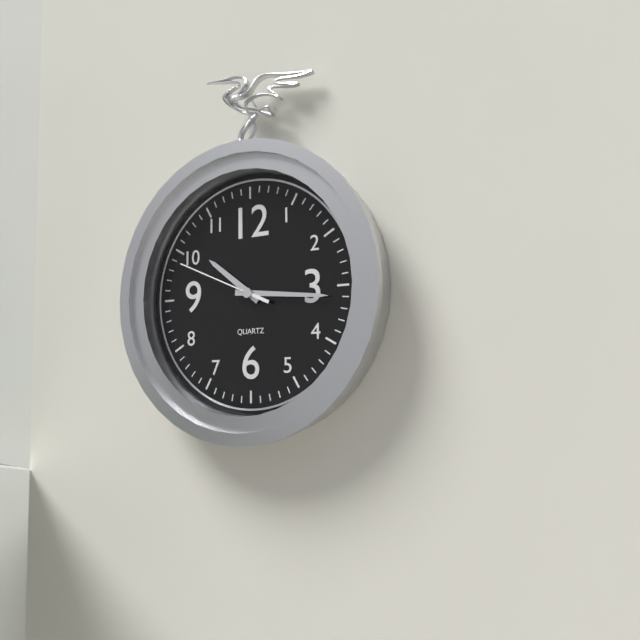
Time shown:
10.16.49
